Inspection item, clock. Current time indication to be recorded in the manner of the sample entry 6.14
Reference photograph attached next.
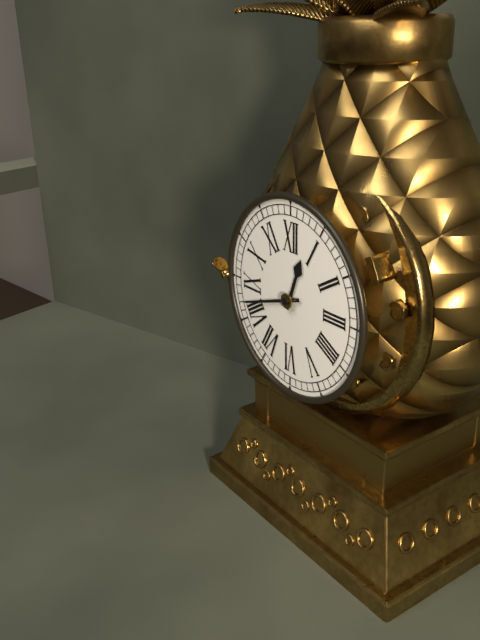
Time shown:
12.42
